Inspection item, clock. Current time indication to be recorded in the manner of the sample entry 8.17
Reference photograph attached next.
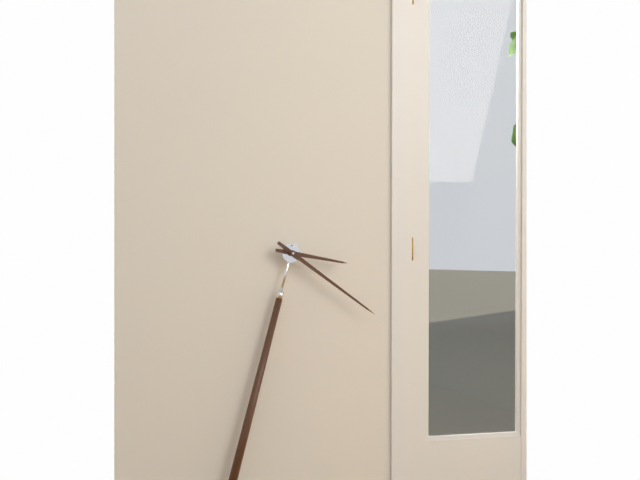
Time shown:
3.21
